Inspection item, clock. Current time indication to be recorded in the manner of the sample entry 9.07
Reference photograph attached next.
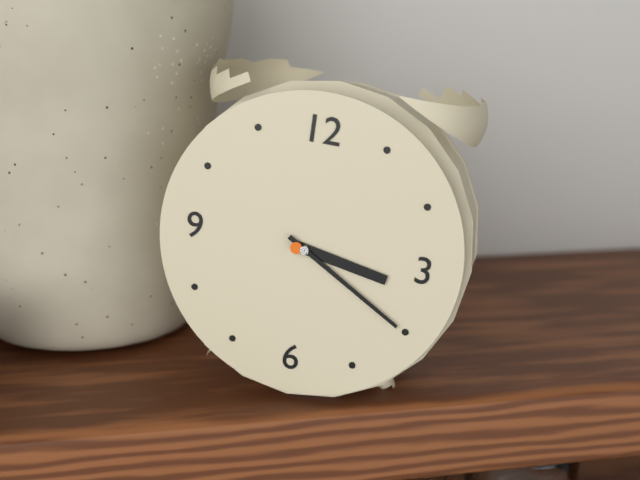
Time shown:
3.20
